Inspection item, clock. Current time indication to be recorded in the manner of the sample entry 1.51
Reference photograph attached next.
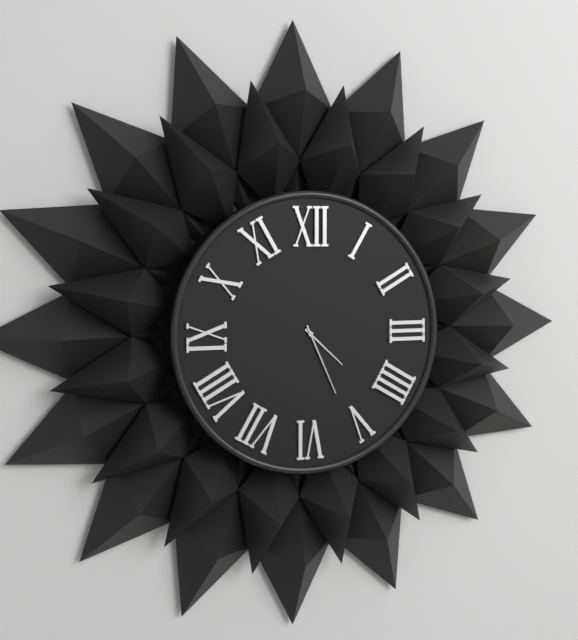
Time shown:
4.26
